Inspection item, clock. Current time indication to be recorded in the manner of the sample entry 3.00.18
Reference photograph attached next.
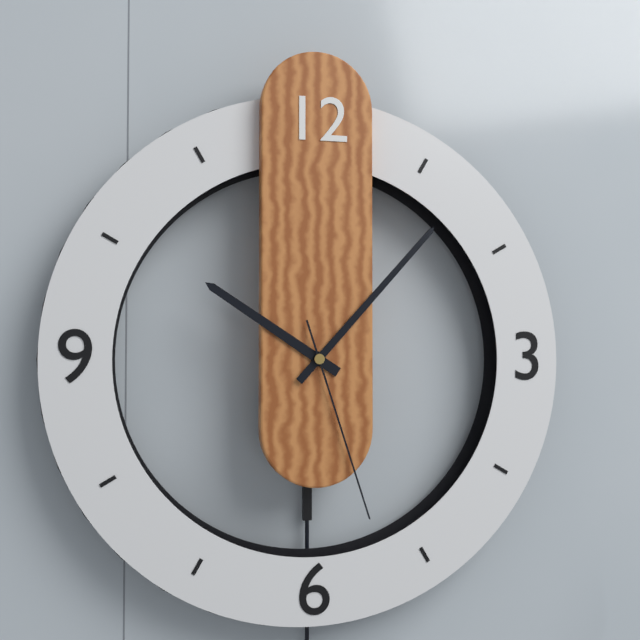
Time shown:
10.07.27
